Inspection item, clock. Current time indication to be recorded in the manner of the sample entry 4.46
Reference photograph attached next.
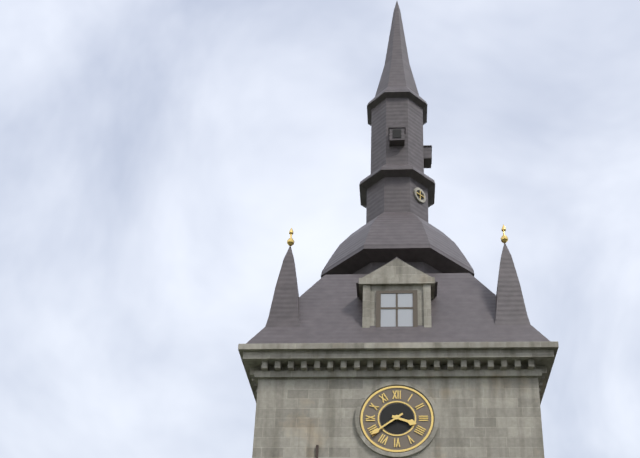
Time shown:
3.39
